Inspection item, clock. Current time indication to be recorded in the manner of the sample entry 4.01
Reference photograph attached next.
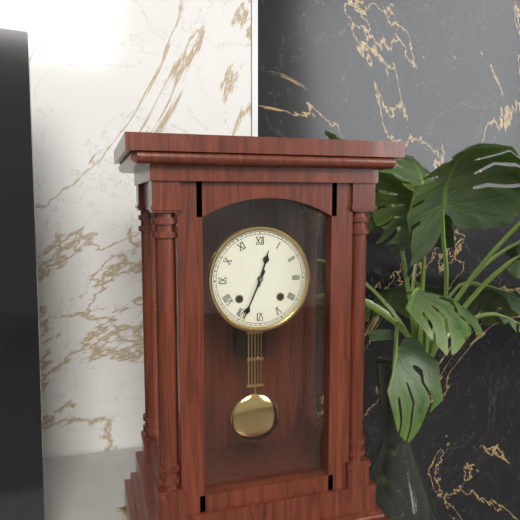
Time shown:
12.34
